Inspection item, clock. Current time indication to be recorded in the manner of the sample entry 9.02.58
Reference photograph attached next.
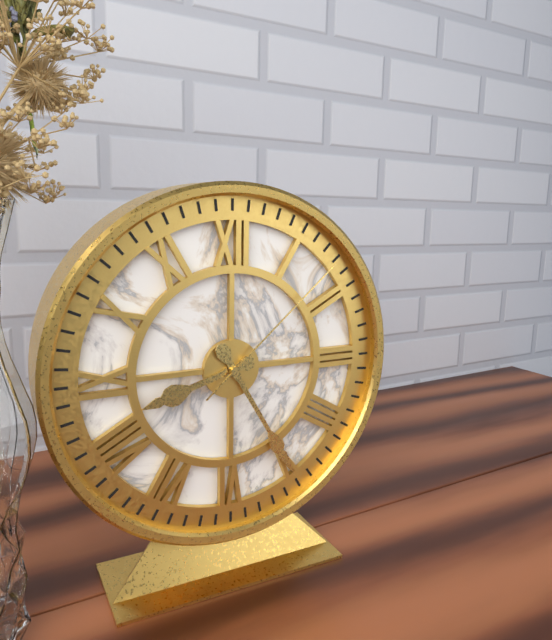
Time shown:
8.25.08
